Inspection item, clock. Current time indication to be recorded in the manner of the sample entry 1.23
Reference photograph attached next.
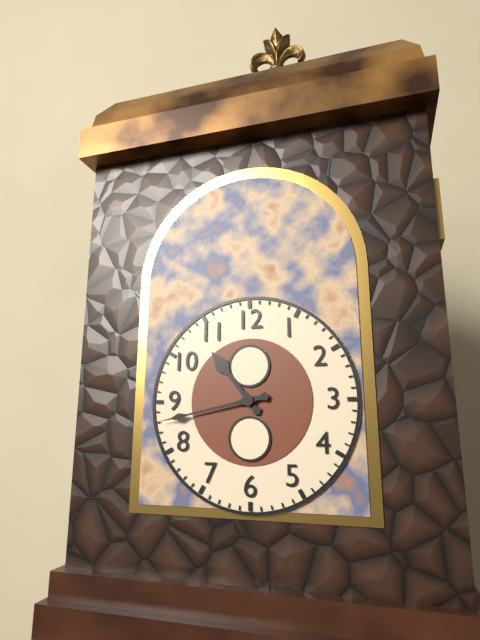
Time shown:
10.43
